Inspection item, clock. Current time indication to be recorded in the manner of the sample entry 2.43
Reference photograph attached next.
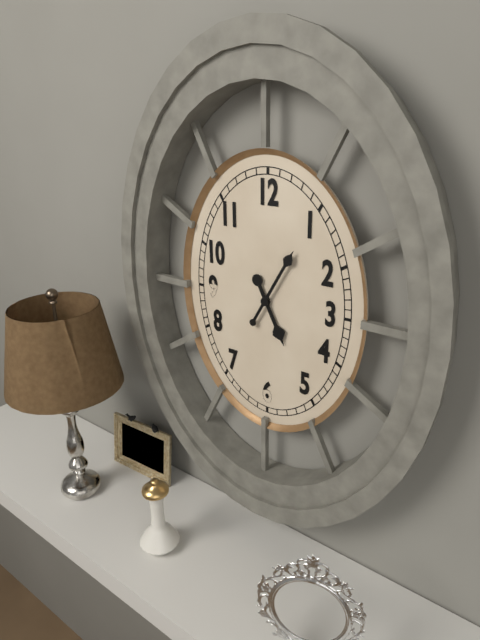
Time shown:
5.05
